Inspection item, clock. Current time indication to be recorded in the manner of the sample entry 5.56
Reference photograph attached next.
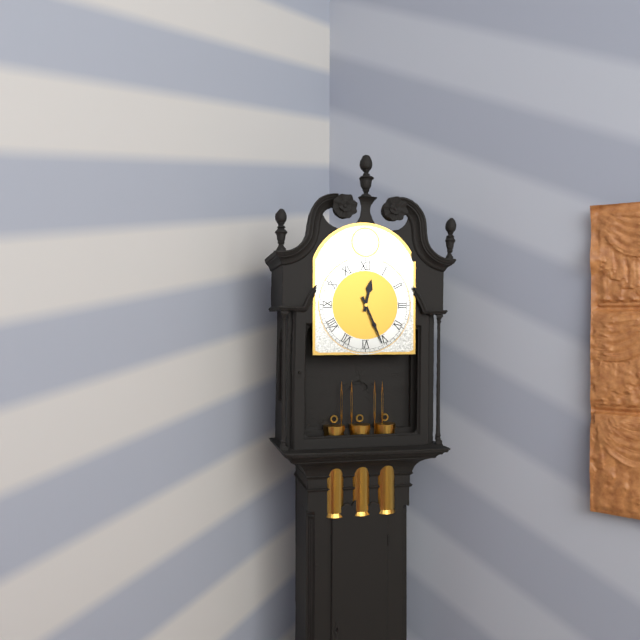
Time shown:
12.26
